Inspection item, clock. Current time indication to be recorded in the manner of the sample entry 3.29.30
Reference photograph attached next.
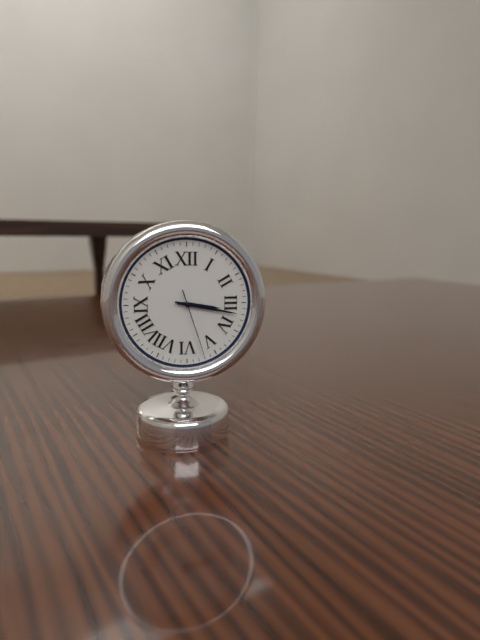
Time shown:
3.17.27
